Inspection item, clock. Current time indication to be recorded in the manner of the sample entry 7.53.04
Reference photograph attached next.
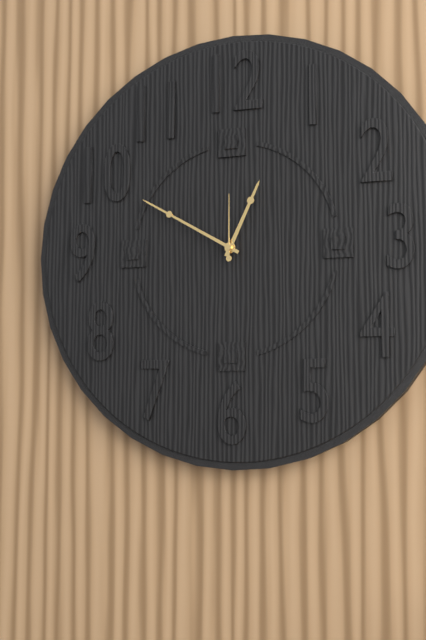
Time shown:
12.50.00
